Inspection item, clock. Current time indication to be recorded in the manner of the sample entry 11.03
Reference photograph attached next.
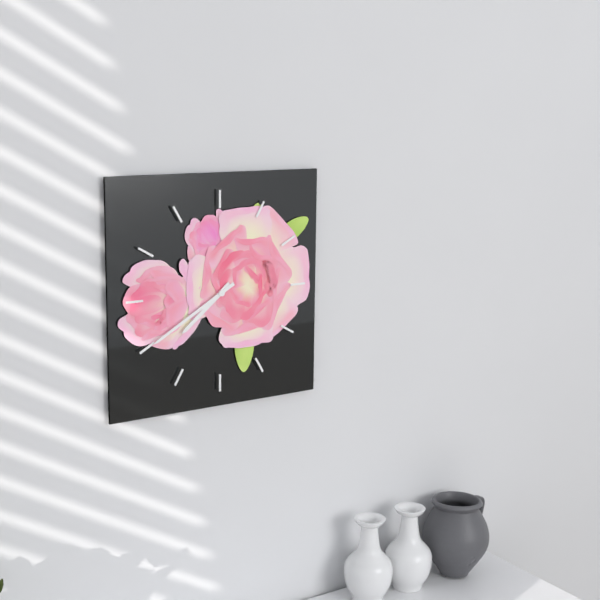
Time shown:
7.40
